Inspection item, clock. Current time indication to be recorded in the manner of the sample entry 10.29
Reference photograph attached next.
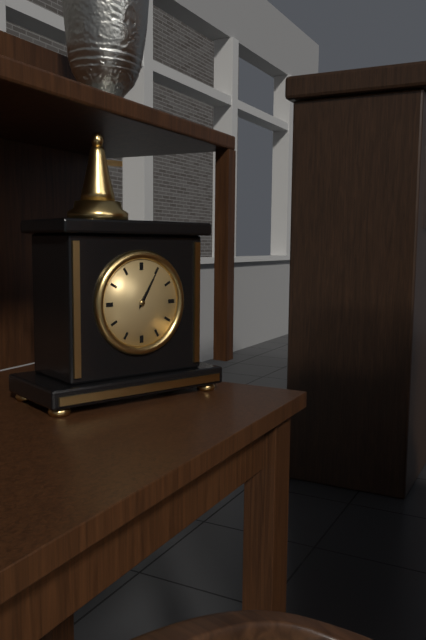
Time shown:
1.05
